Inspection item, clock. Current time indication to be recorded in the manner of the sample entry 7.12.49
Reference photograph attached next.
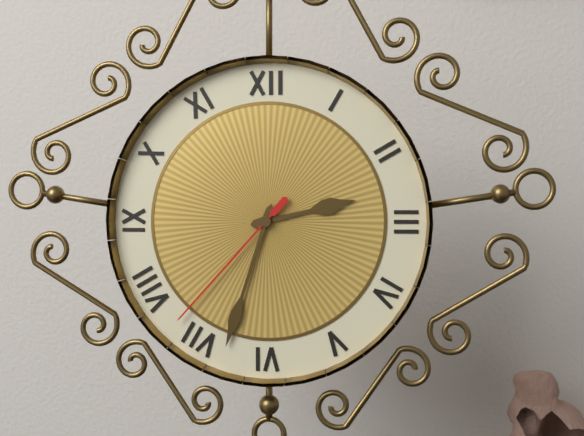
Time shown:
2.33.37
